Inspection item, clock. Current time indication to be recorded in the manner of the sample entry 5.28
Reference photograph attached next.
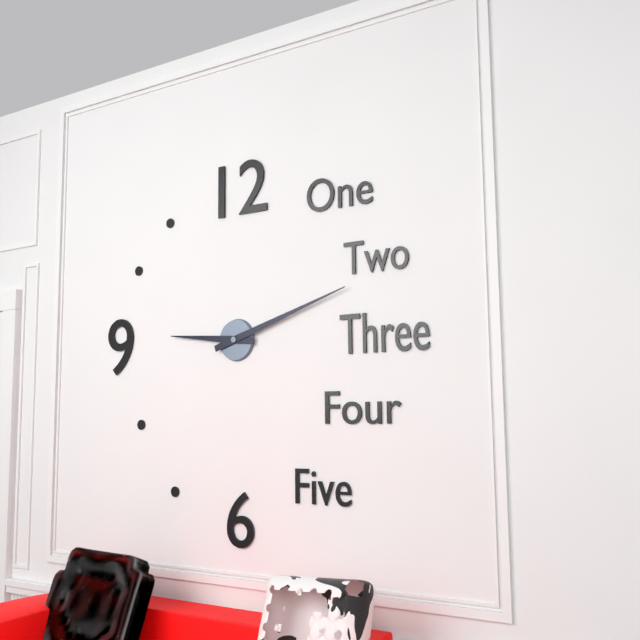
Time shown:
9.12
